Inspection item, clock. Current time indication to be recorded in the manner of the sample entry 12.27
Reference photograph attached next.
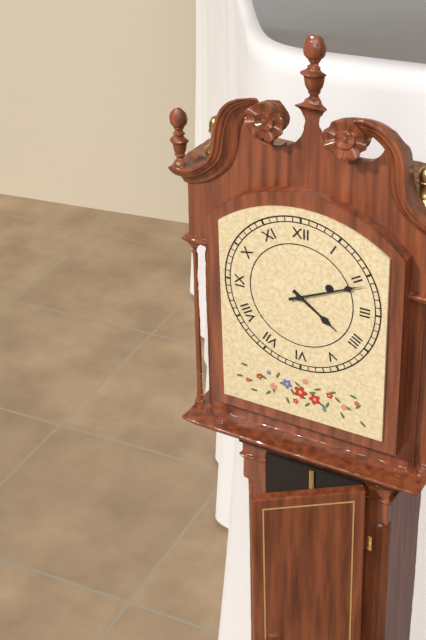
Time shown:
4.11
